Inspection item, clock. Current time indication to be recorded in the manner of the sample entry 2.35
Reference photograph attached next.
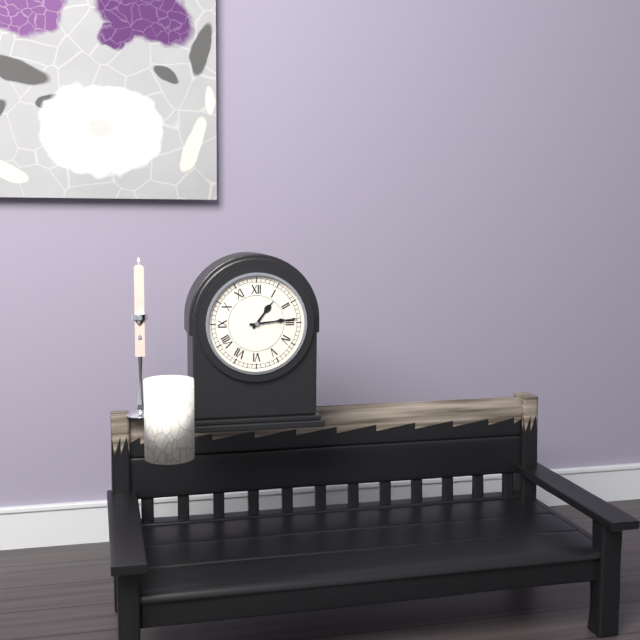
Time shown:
1.14
